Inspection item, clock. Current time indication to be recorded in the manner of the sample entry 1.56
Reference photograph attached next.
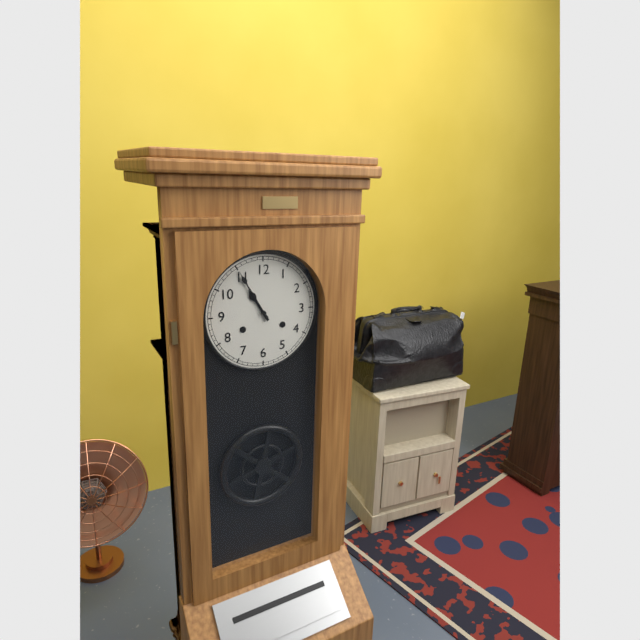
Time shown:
10.55
